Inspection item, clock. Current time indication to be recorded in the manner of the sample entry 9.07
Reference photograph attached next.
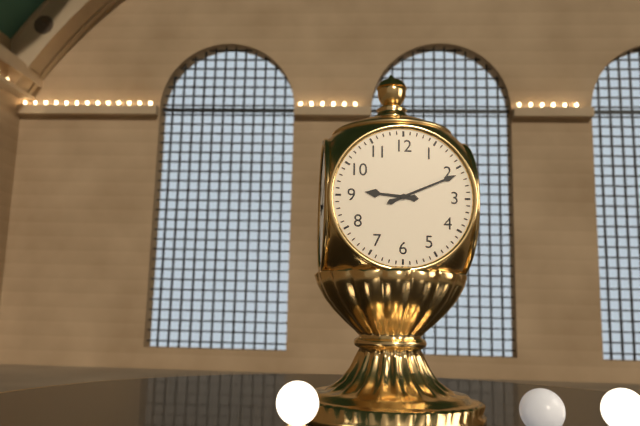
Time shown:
9.11
